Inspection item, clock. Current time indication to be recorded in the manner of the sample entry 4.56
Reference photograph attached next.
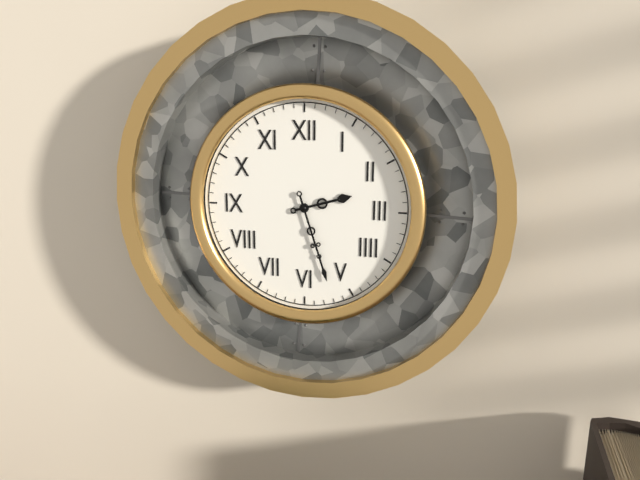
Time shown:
2.27
